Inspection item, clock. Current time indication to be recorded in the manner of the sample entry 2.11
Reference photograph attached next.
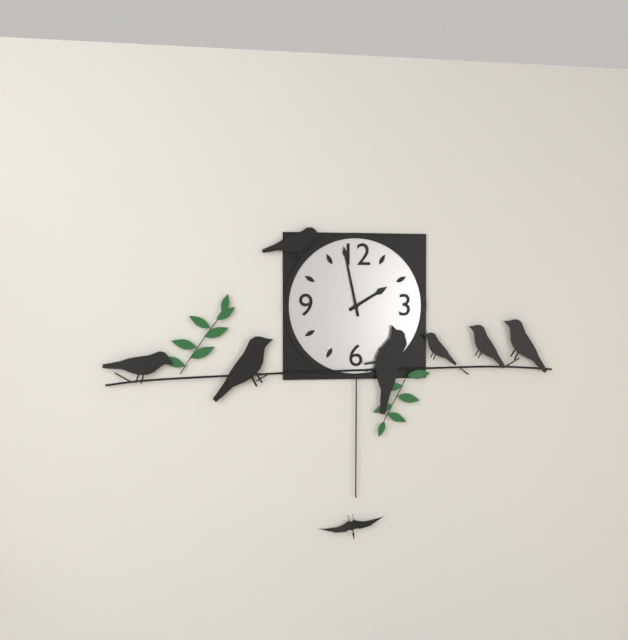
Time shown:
1.58
